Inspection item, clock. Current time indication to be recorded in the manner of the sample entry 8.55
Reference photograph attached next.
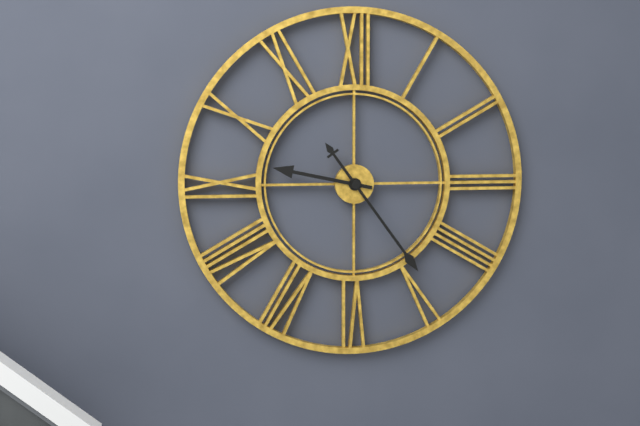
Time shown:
9.24
